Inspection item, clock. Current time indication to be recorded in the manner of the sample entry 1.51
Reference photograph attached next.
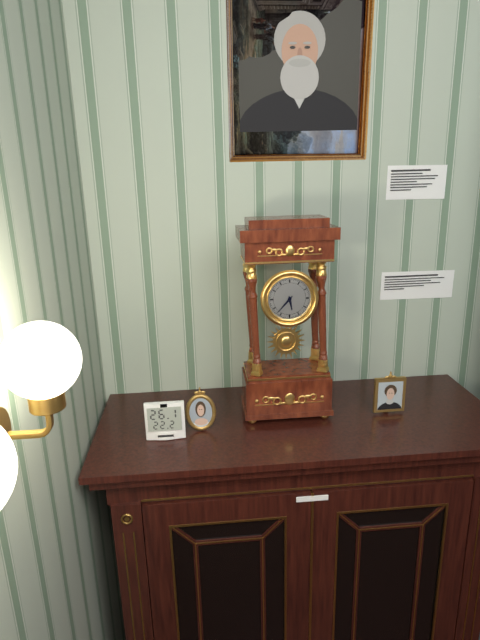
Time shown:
5.37
